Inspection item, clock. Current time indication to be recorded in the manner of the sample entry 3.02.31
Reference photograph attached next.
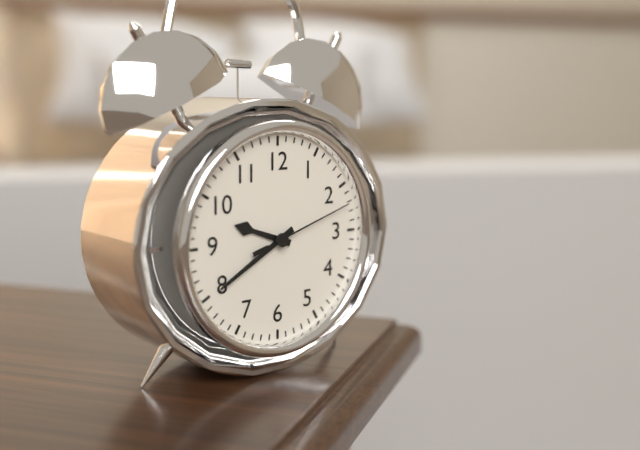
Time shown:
9.40.12
